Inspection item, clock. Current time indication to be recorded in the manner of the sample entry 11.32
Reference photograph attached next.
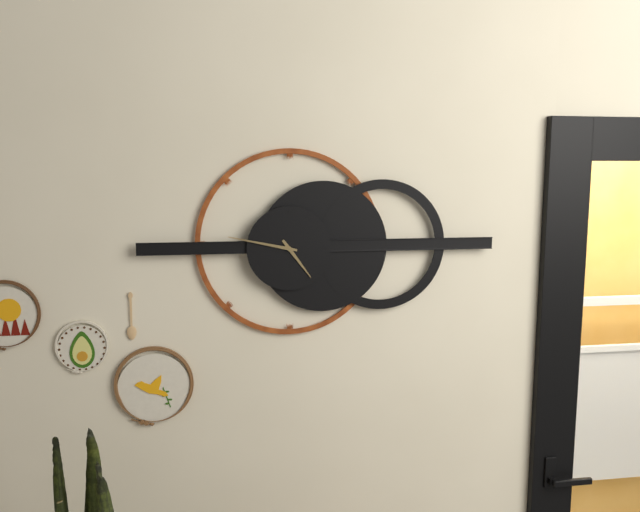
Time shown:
4.47
